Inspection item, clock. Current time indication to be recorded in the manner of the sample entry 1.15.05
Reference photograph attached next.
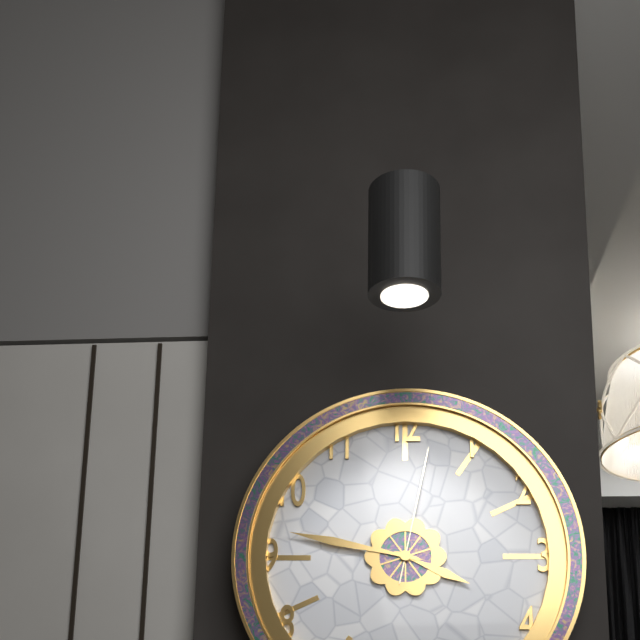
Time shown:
3.47.02
